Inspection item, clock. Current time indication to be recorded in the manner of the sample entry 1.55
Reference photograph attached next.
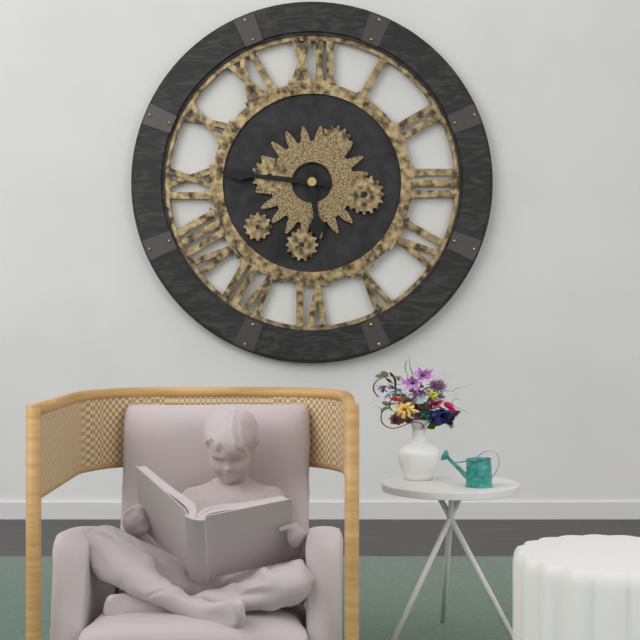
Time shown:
5.46
